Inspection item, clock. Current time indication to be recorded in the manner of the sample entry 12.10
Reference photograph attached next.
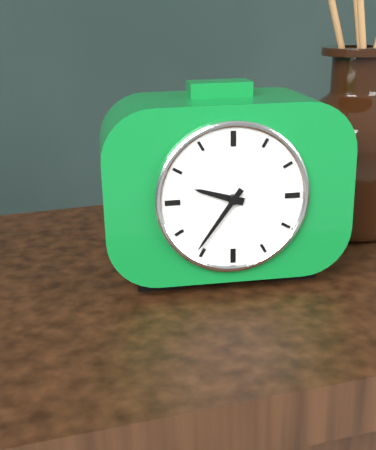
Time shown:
9.36
